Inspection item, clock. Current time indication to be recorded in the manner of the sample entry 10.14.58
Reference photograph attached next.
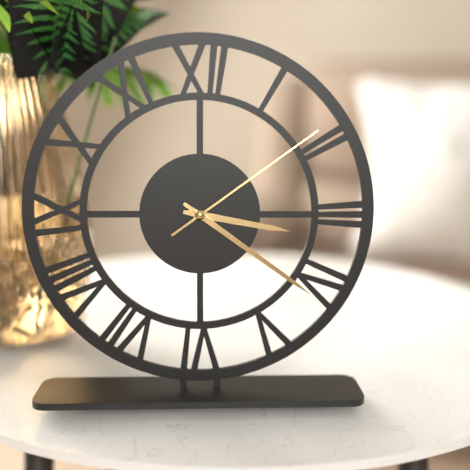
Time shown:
3.21.09
